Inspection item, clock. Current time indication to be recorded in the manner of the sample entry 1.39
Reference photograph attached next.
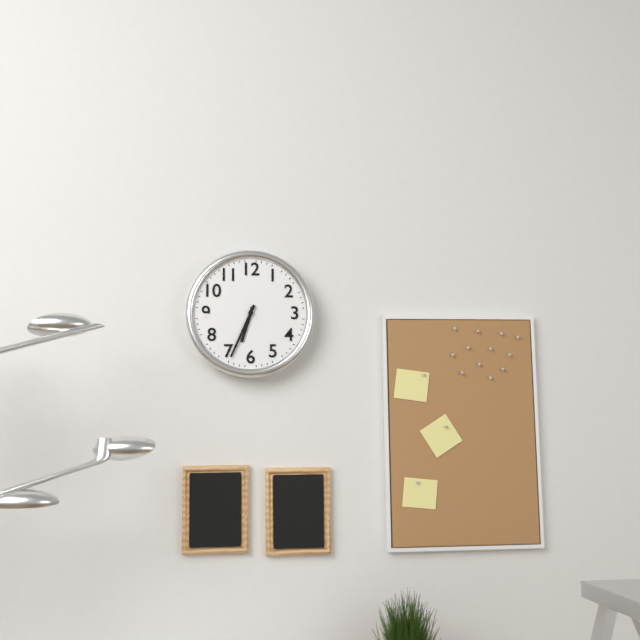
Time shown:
6.34
